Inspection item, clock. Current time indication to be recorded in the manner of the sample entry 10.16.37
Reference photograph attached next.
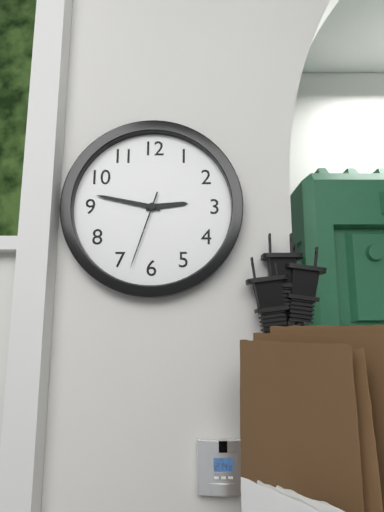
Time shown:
2.47.33
